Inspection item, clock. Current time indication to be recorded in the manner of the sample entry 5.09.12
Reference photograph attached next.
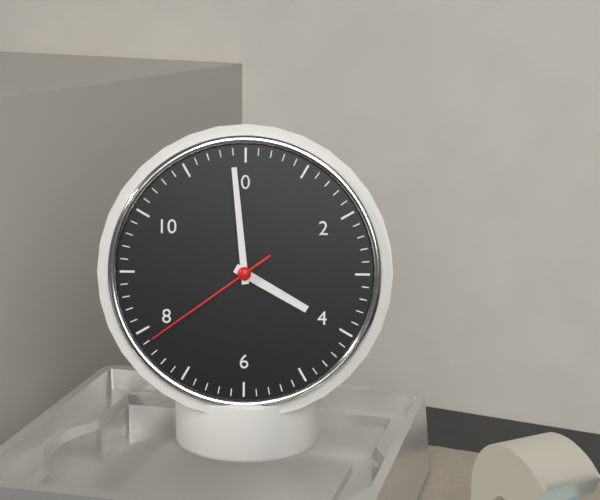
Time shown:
3.59.39
